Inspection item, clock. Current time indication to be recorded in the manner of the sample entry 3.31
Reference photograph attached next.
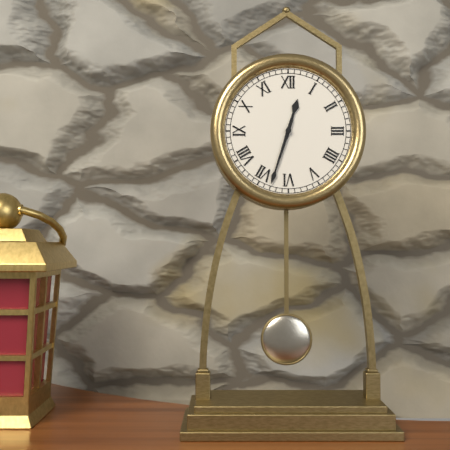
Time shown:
12.33
